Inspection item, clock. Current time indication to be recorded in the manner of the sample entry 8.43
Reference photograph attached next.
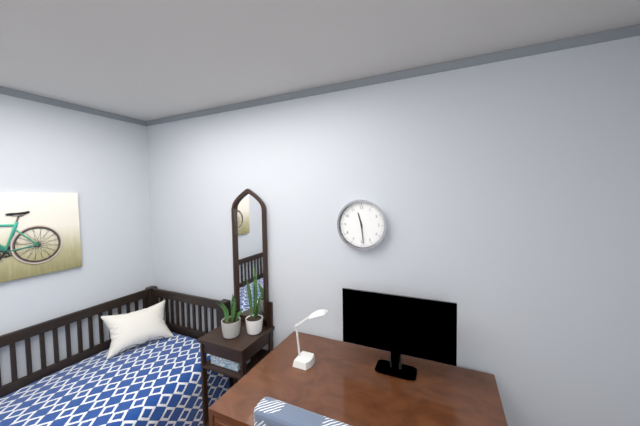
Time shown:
11.29
